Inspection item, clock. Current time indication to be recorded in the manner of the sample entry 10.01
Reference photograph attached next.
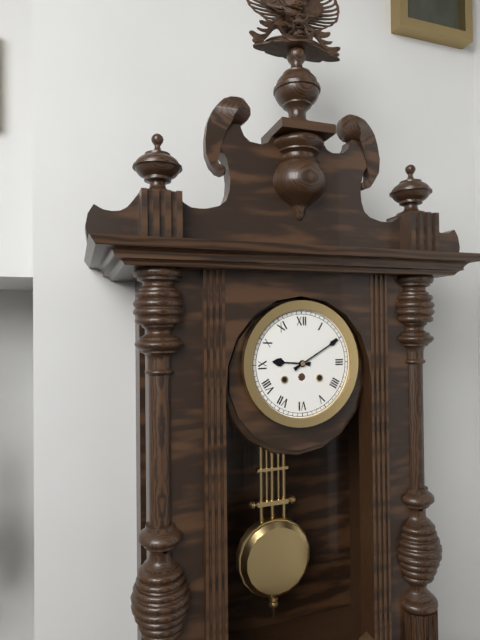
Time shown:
9.10
